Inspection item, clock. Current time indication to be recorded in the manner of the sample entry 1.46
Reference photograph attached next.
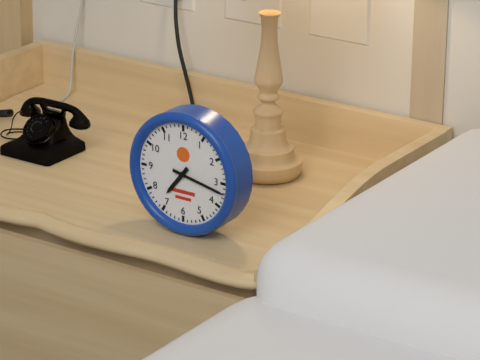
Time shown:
7.17
